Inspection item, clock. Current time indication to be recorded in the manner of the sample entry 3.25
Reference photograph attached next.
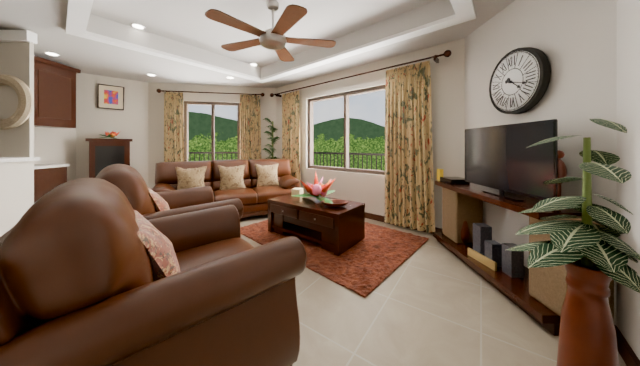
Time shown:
4.18
